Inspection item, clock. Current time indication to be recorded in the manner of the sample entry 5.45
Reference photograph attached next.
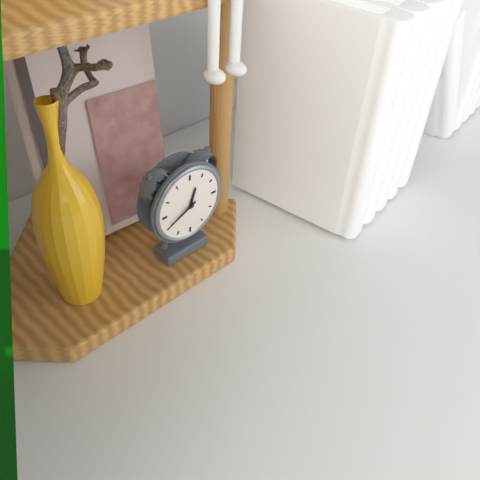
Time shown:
12.41
